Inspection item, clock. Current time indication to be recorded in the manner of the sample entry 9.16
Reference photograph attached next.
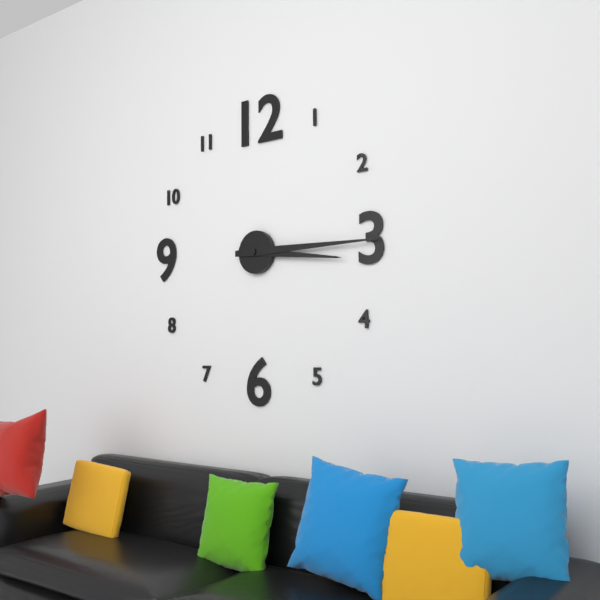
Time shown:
3.15
